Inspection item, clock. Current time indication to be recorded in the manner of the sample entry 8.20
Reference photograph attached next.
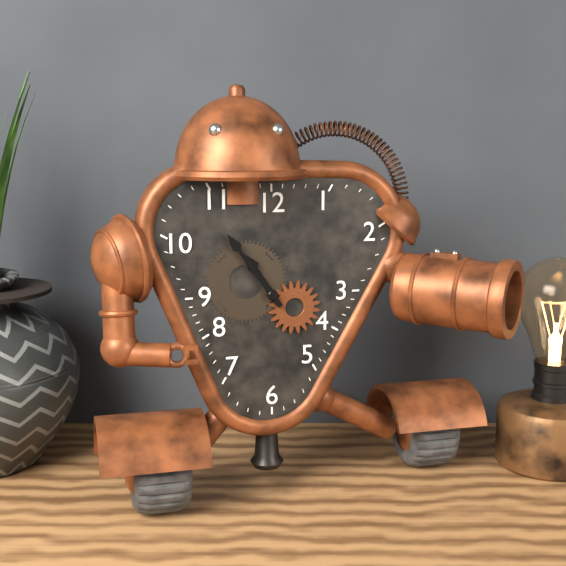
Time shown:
10.54
